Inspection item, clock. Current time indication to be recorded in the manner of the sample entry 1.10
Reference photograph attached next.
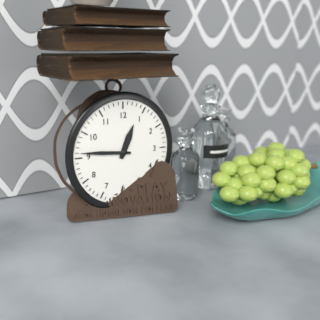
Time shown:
12.46
